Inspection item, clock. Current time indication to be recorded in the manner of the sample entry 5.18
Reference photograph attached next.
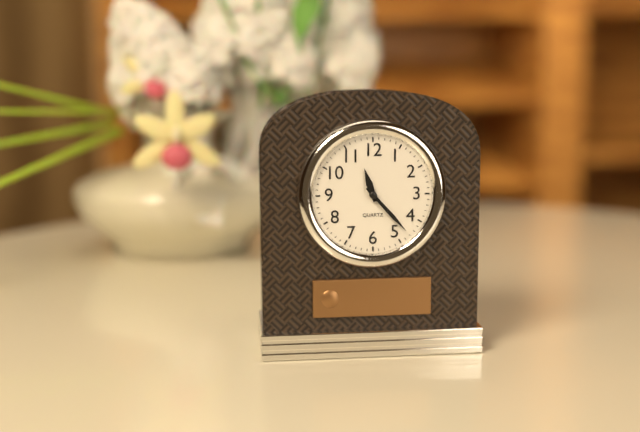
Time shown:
11.23
